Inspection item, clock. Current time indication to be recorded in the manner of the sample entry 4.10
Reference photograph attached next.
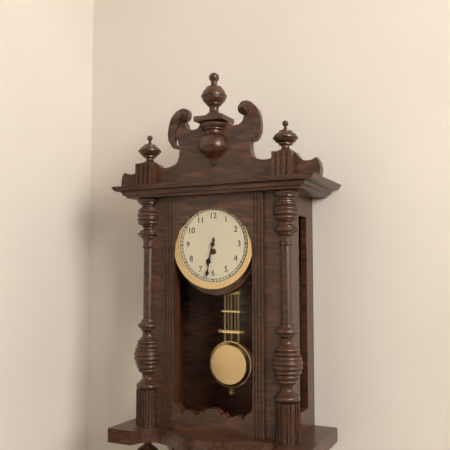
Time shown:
6.32
